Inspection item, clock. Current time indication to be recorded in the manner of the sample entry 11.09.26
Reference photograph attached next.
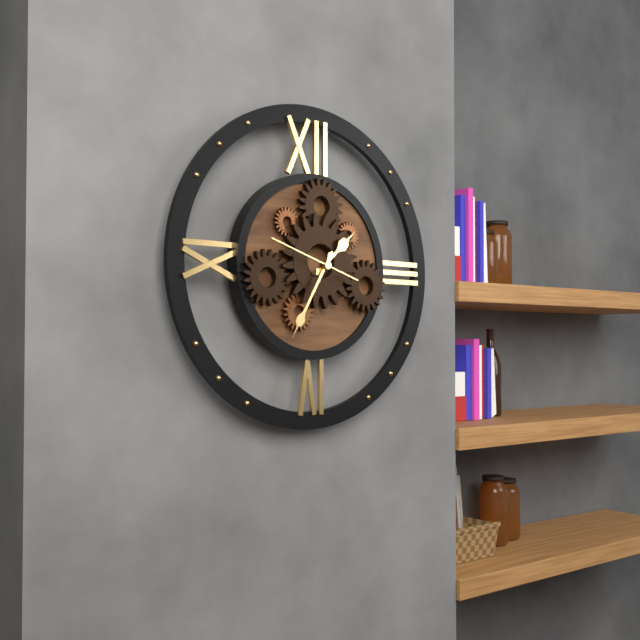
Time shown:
1.35.48
